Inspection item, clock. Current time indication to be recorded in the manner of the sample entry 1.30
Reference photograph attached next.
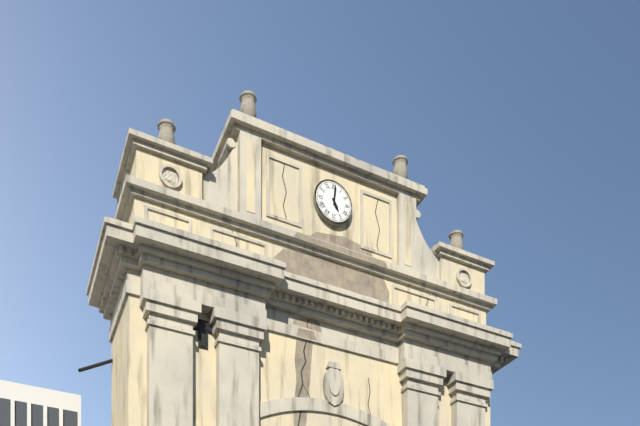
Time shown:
5.01
